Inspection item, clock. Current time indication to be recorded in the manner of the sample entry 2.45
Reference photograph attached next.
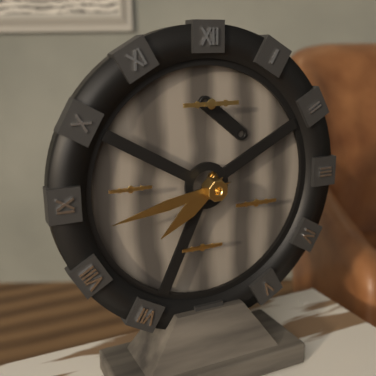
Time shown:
7.43
